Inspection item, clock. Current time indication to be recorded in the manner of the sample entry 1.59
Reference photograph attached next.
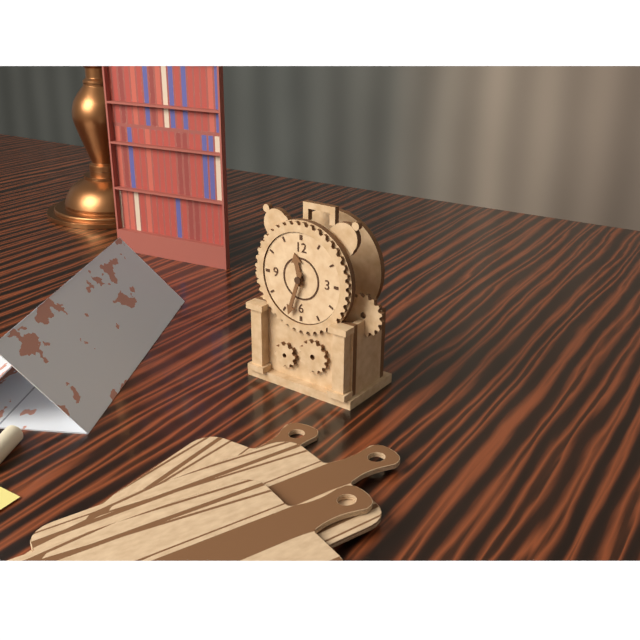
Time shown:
11.33
